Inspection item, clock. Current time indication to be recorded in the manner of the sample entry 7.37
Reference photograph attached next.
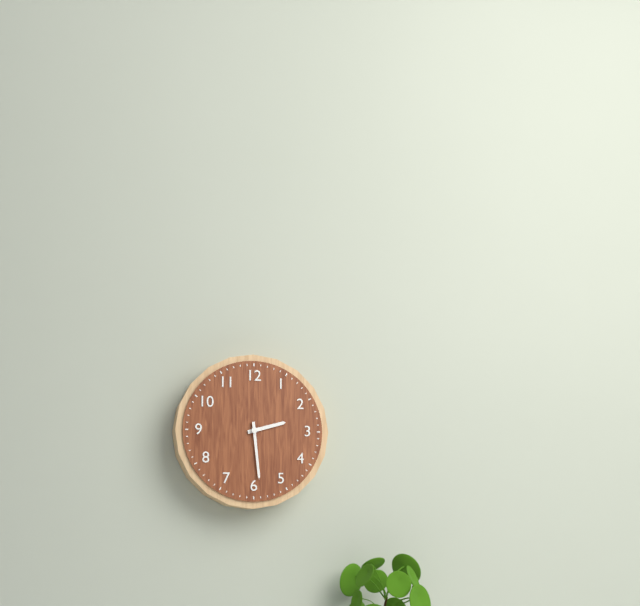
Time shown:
2.29
